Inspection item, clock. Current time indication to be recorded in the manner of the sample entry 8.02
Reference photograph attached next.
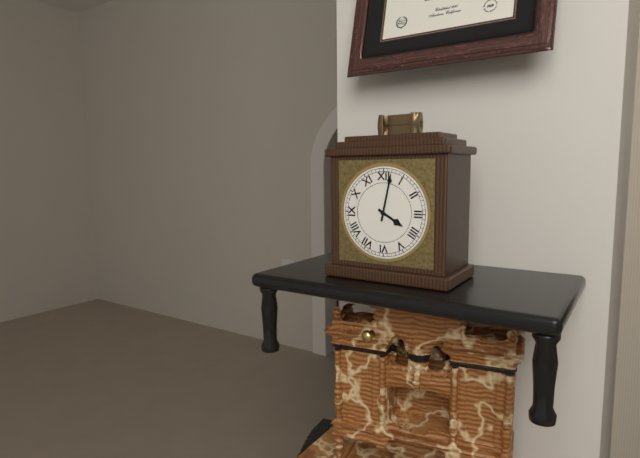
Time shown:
4.02
